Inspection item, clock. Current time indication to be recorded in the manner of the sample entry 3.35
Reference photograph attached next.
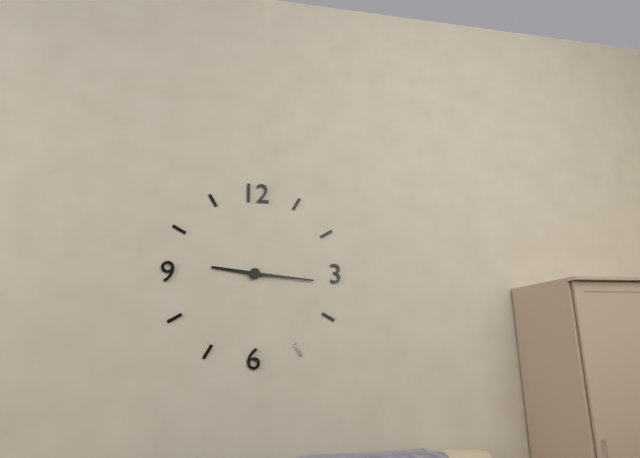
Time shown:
9.16
